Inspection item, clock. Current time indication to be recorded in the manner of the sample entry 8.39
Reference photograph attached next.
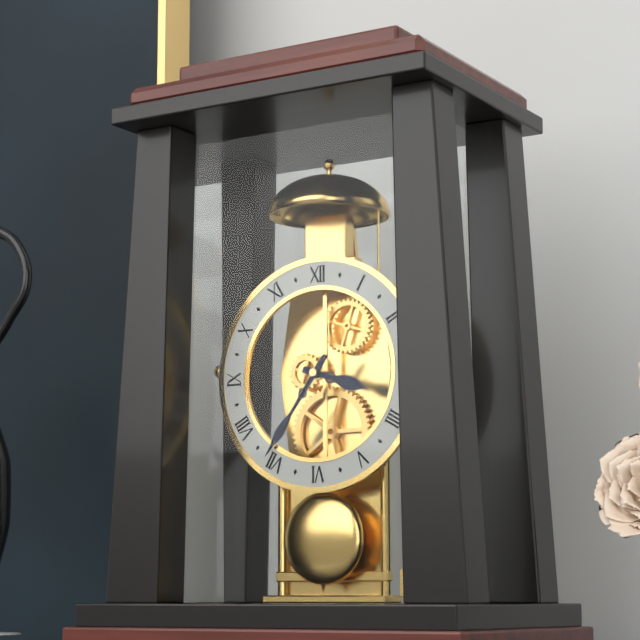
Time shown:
3.36
